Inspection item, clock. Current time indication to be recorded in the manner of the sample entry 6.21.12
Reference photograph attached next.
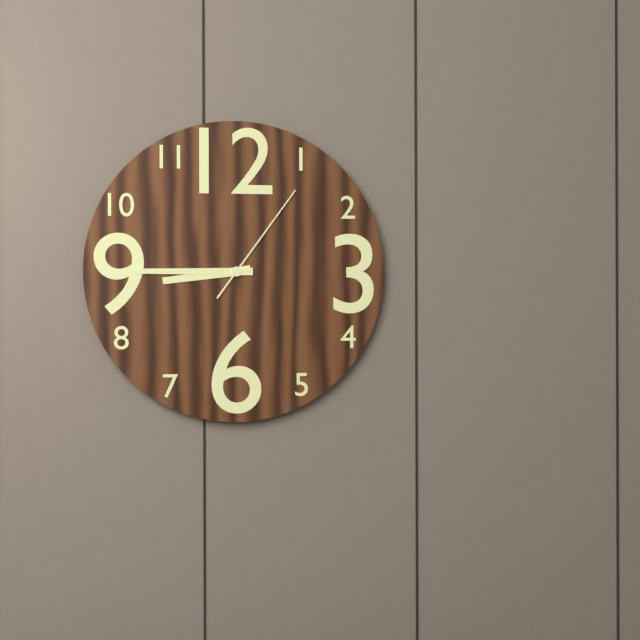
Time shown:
8.45.06
